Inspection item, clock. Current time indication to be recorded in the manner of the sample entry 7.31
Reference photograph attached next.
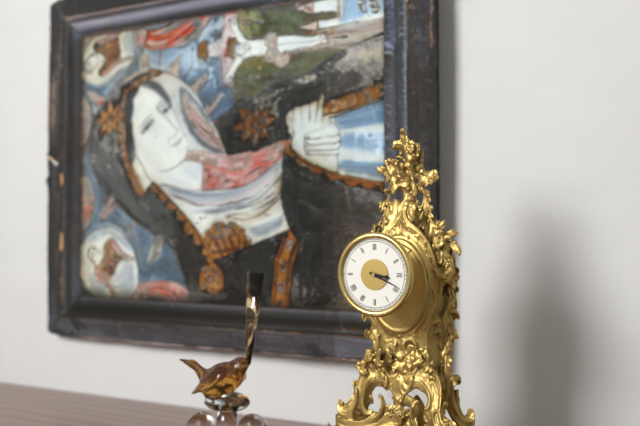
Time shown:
3.19
